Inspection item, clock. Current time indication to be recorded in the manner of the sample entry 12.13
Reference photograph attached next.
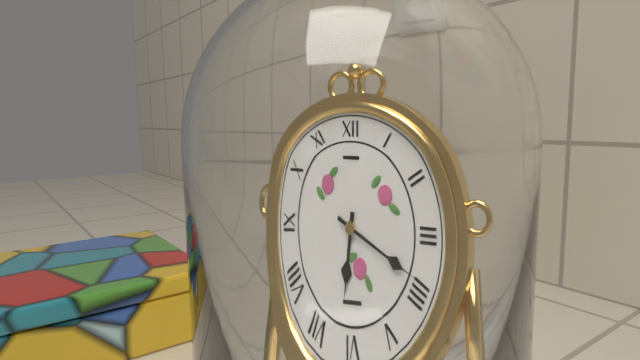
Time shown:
6.19
